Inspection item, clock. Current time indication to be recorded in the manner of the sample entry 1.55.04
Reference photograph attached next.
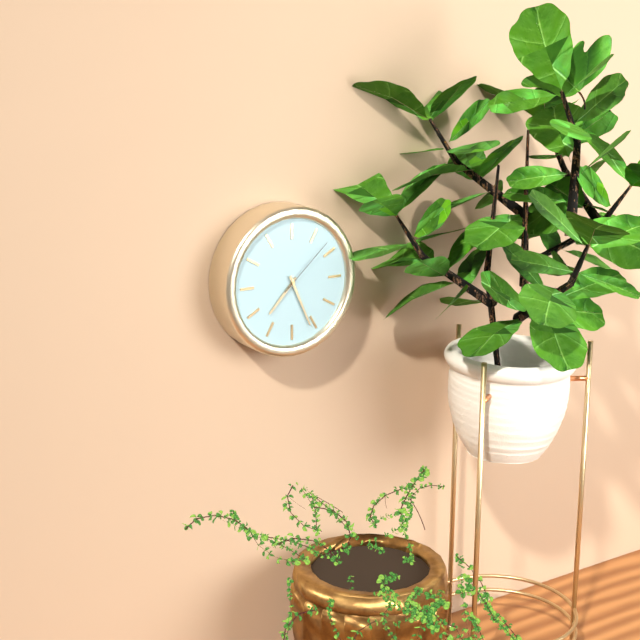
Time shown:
7.26.08
